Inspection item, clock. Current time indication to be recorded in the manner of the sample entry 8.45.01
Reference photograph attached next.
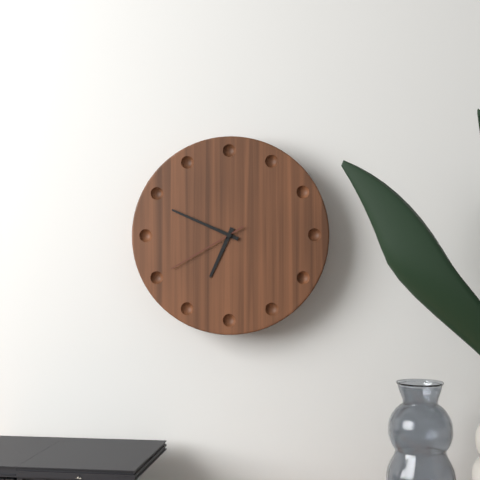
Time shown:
6.49.40
